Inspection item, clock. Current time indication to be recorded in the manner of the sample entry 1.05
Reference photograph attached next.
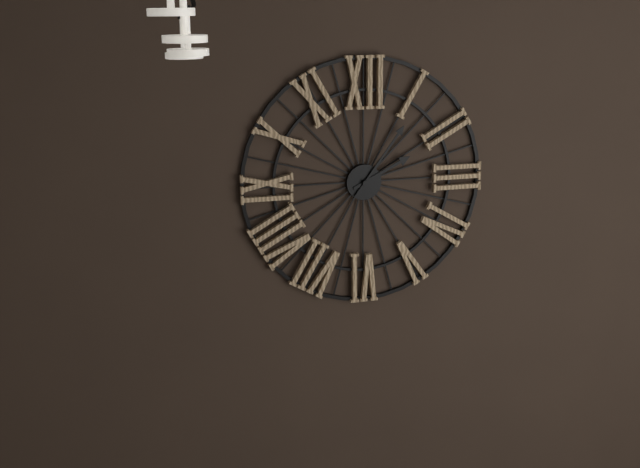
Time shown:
2.06
